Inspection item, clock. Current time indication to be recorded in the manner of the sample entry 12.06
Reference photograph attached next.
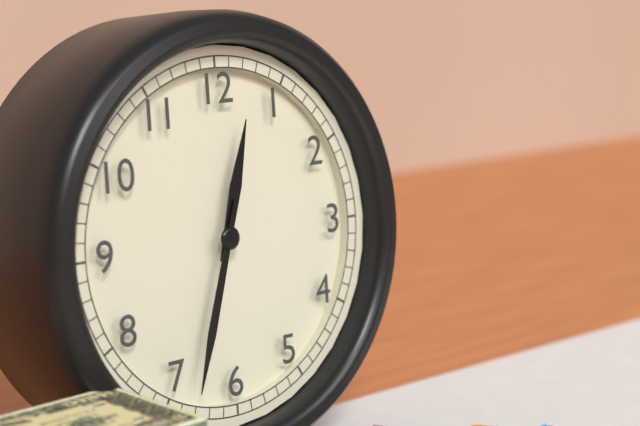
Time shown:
12.33
